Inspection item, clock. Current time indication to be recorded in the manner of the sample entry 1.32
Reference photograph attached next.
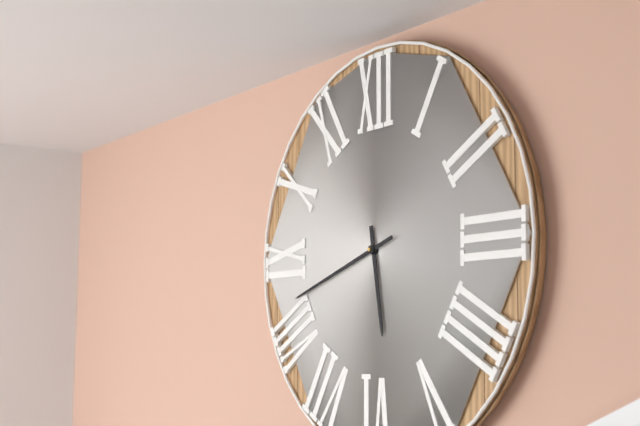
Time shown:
5.42
